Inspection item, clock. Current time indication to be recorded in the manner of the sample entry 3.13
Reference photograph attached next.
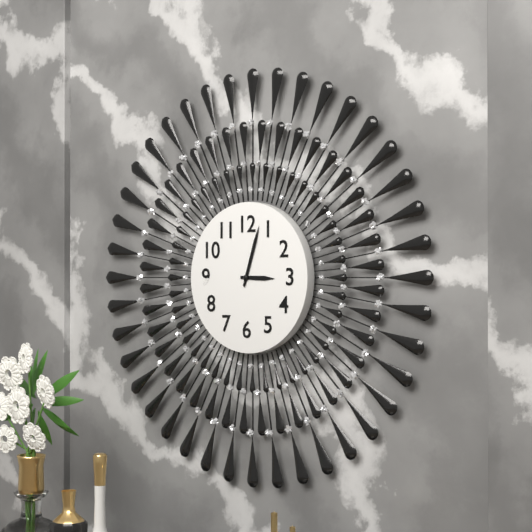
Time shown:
3.03
